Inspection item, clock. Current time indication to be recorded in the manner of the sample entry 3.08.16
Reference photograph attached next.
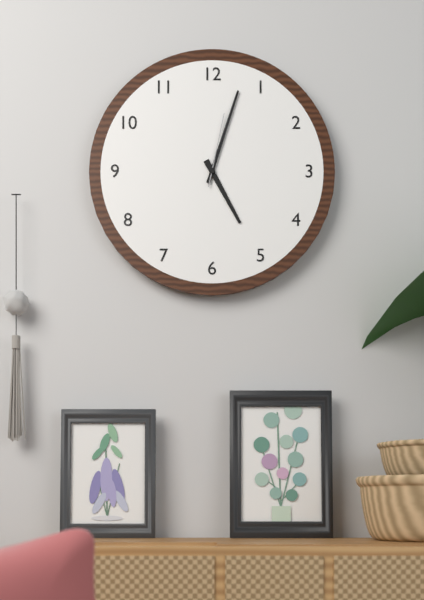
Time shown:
5.03.02
